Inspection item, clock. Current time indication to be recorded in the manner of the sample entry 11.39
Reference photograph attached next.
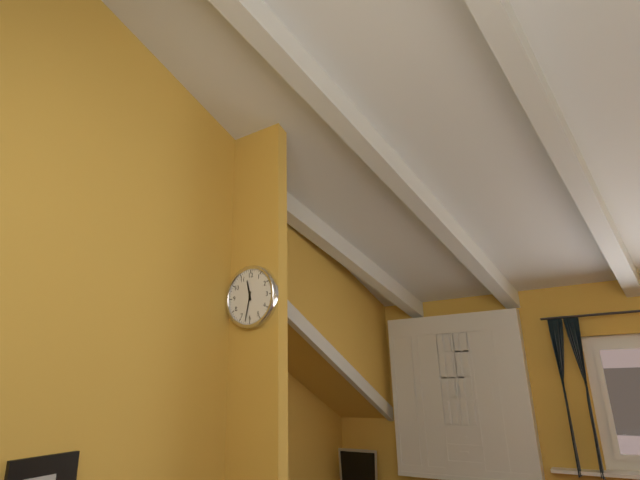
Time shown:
11.32
